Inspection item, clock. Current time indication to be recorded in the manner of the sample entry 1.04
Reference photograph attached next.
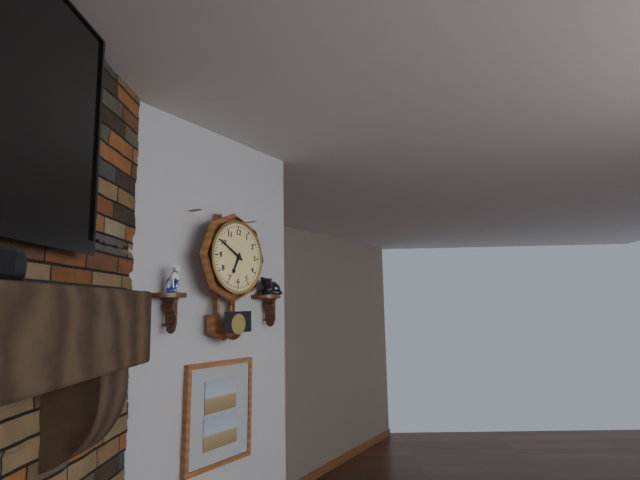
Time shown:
6.50
